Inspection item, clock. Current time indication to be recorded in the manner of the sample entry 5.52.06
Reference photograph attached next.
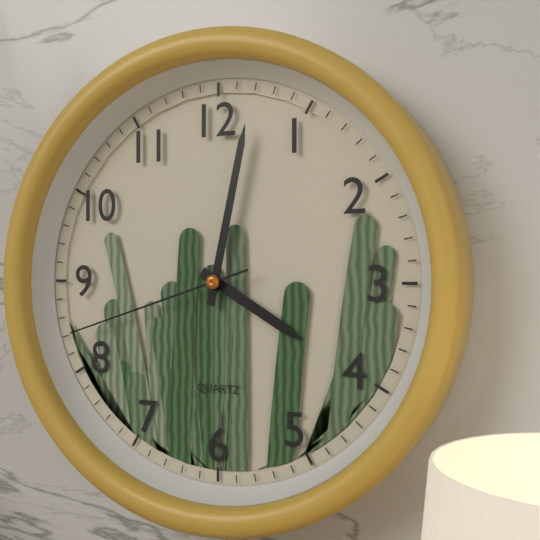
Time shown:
4.02.42
